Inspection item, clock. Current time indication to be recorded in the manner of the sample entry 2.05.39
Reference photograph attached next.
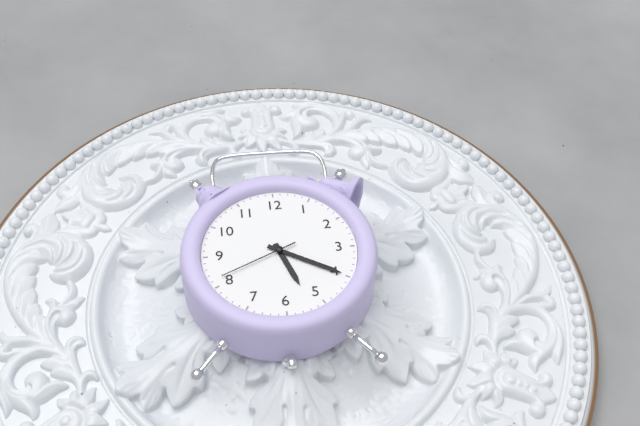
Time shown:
5.20.41
